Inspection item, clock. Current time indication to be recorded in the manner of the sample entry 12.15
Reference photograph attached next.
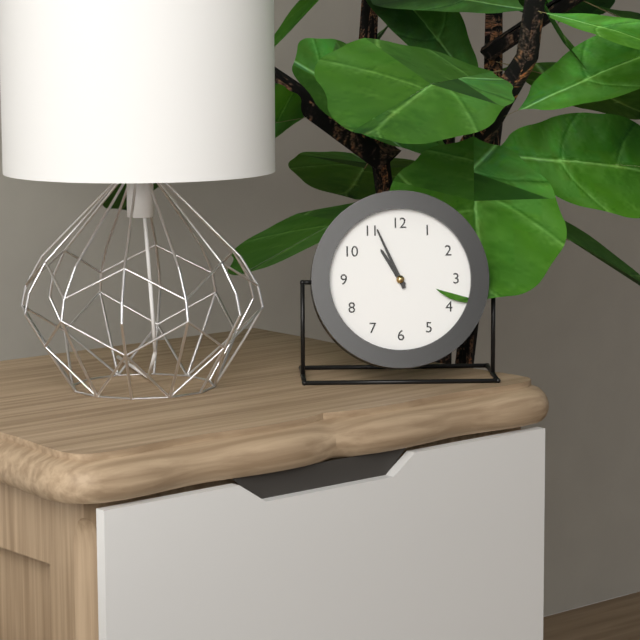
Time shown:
10.56
